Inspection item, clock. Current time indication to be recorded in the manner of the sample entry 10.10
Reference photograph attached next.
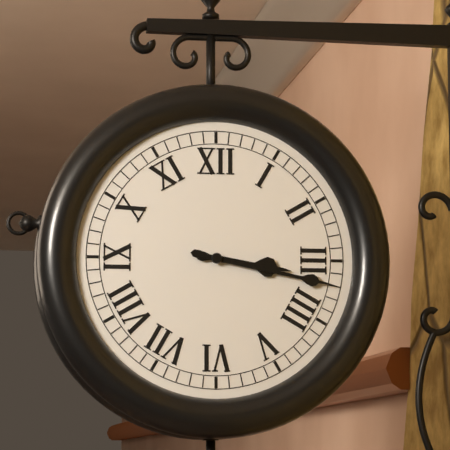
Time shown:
3.17
